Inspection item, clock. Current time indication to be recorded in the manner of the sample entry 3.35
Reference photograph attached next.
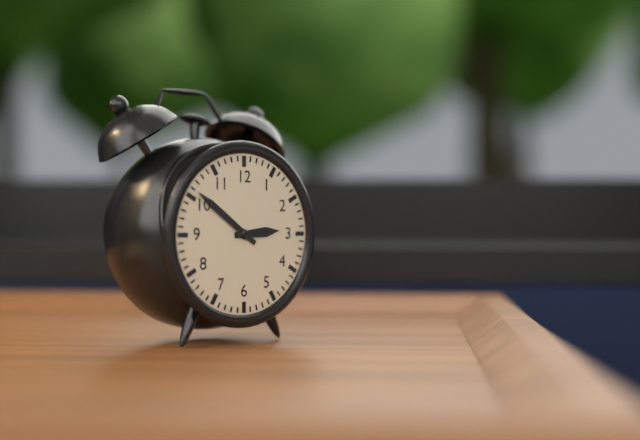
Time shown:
2.51
